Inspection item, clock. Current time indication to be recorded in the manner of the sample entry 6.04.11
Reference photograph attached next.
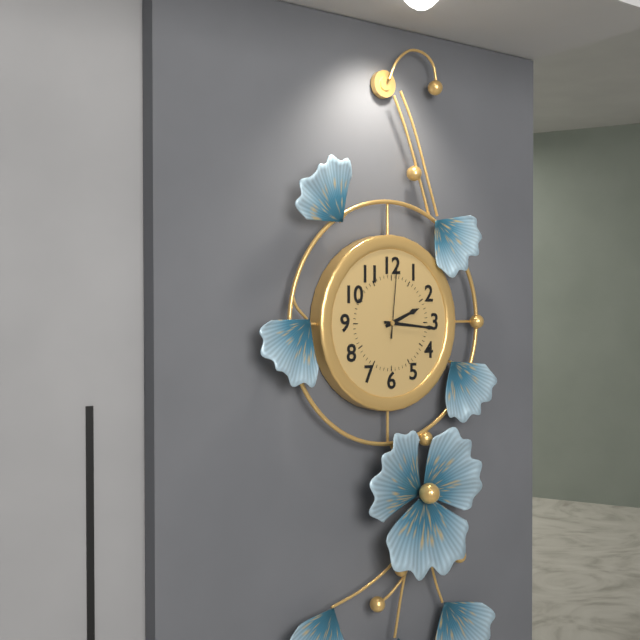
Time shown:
2.16.01
